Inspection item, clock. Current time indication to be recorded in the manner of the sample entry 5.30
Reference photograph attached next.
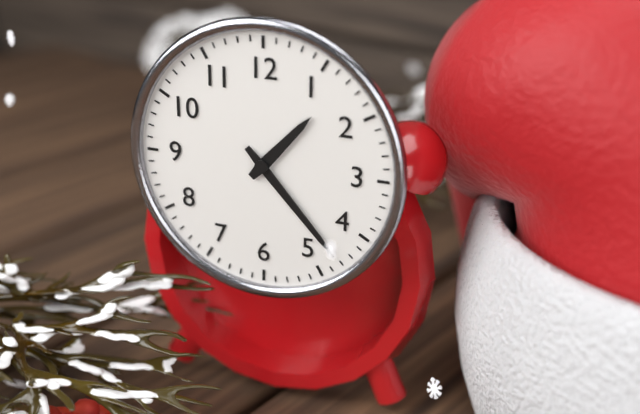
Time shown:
1.23
